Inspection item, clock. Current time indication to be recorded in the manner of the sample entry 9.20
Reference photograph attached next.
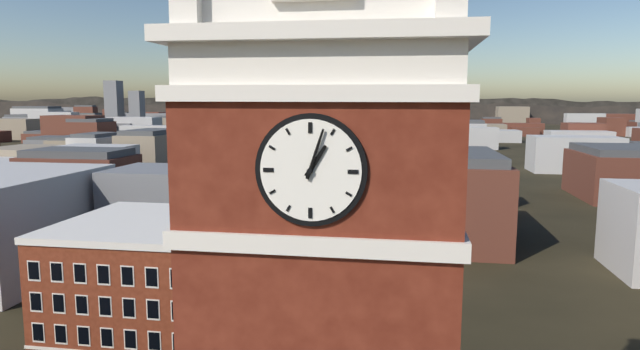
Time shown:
1.03
